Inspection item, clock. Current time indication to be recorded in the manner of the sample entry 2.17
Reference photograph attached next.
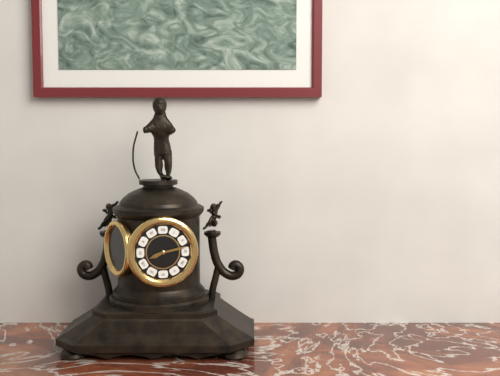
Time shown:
8.13
